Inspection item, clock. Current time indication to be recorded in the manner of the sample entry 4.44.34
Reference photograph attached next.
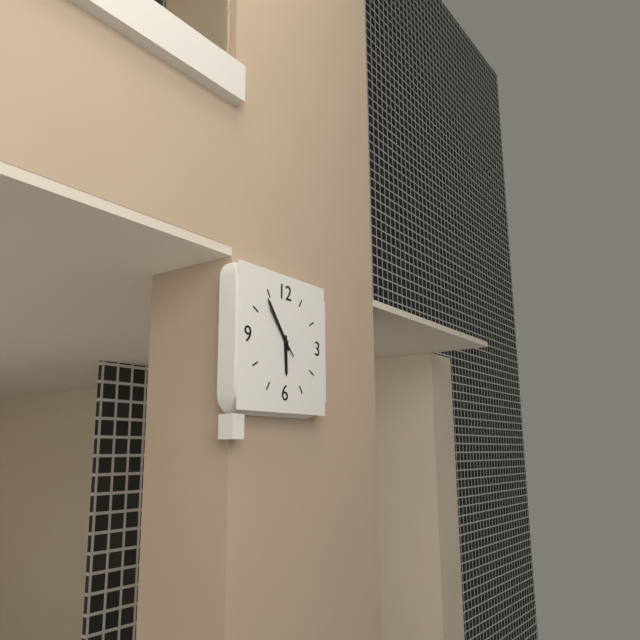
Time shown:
5.54.53
